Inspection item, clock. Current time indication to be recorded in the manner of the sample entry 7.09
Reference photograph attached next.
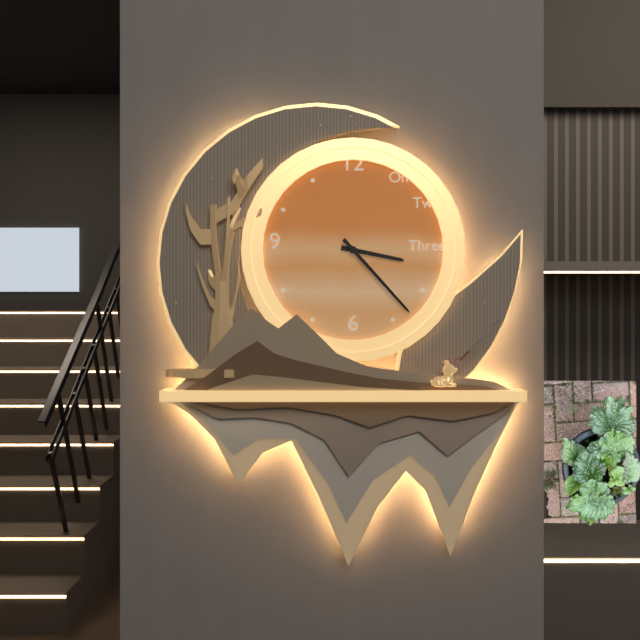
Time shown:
3.23
